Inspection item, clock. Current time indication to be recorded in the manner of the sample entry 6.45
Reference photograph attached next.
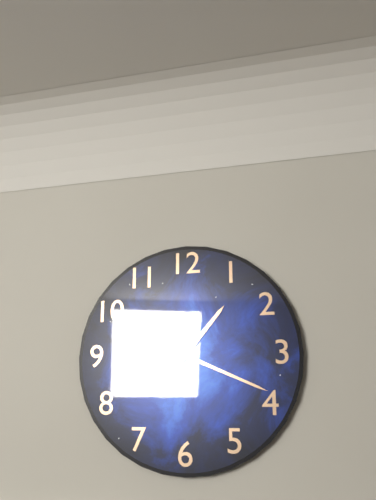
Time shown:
1.19
